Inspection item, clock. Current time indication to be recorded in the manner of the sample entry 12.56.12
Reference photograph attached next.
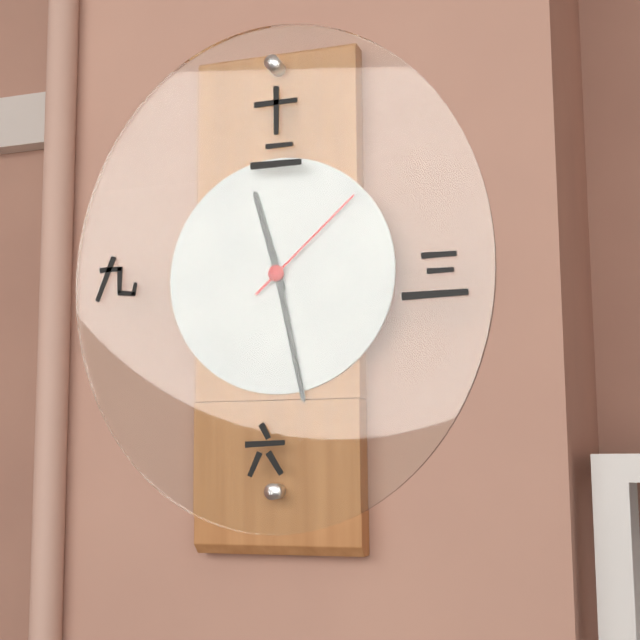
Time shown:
11.28.08
